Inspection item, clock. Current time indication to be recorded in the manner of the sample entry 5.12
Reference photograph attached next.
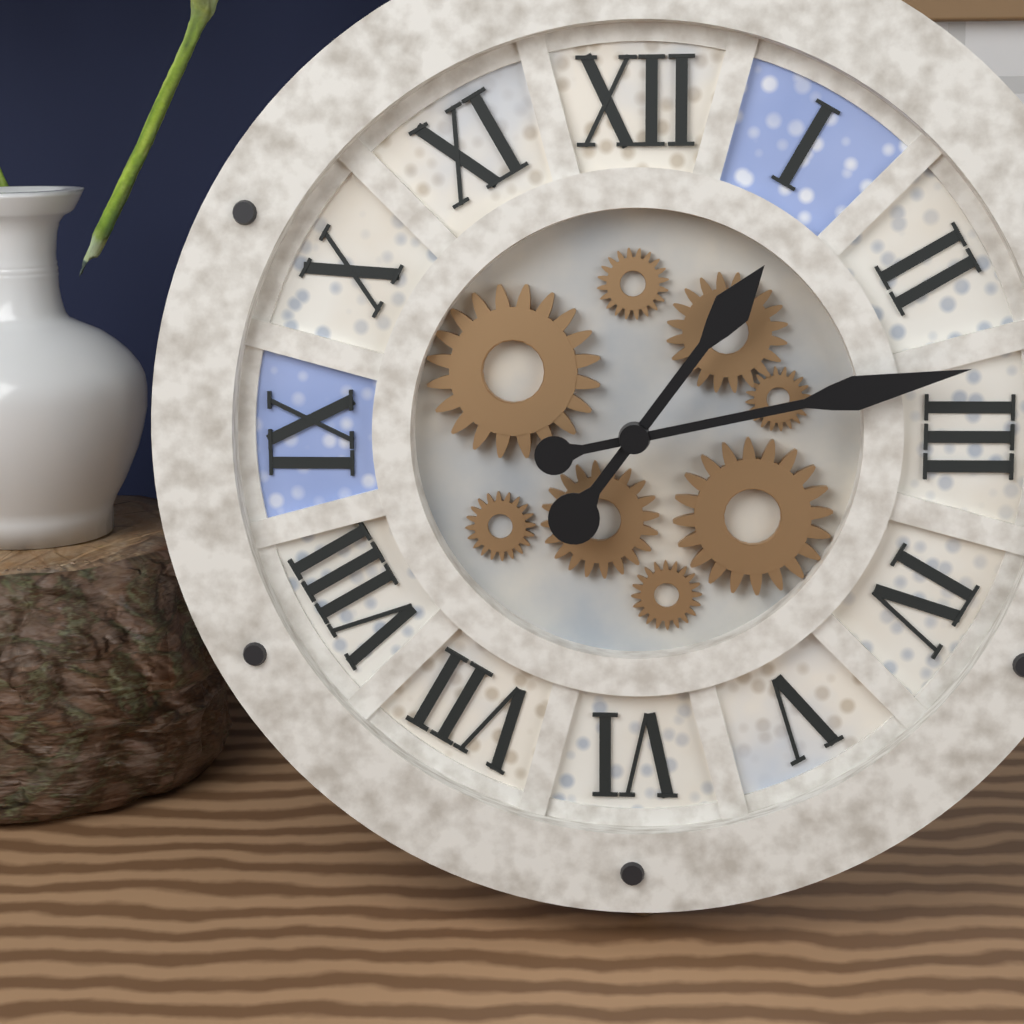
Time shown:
1.13
